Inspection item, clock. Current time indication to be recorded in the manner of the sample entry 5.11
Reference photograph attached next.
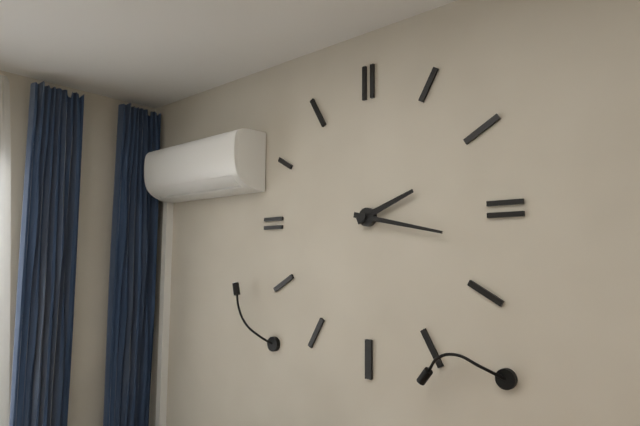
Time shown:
2.17
